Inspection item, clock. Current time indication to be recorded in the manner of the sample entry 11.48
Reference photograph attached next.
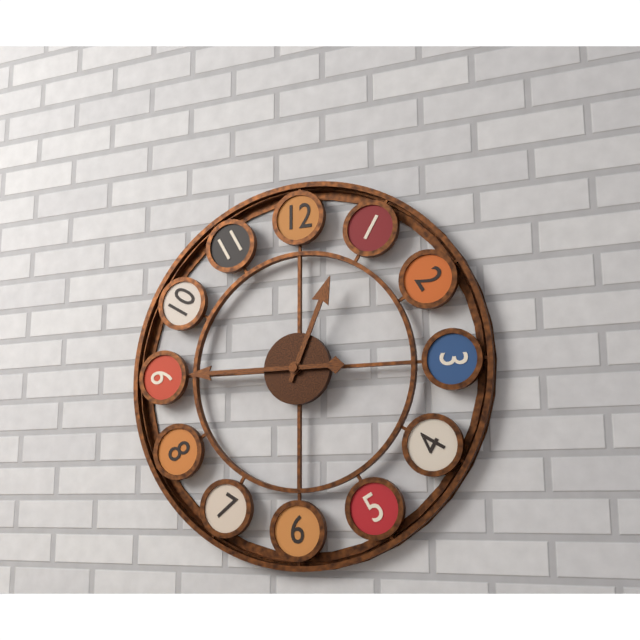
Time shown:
12.45
